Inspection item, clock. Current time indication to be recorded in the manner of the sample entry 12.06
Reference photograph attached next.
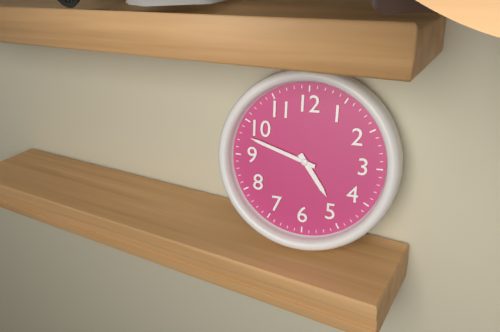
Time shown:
4.48
